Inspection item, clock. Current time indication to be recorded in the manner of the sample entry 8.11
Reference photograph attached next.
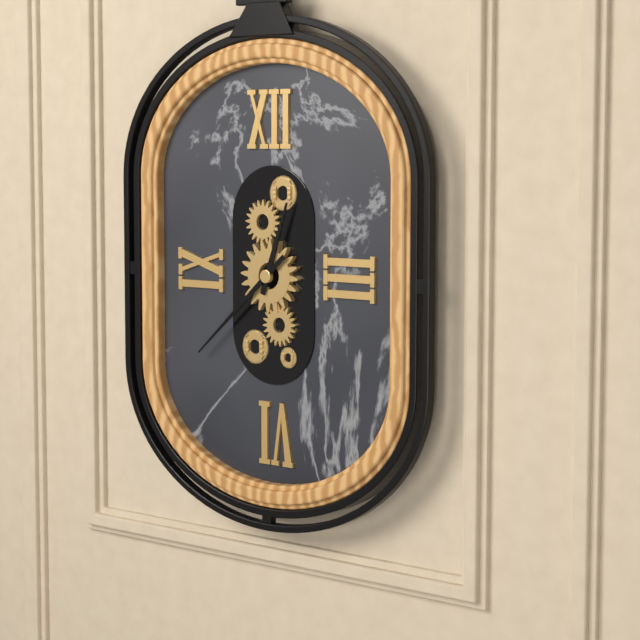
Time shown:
12.38
